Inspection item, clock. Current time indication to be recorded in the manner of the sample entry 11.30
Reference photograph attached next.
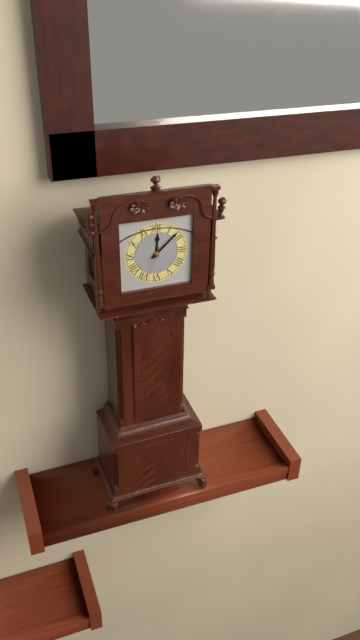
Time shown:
12.08
